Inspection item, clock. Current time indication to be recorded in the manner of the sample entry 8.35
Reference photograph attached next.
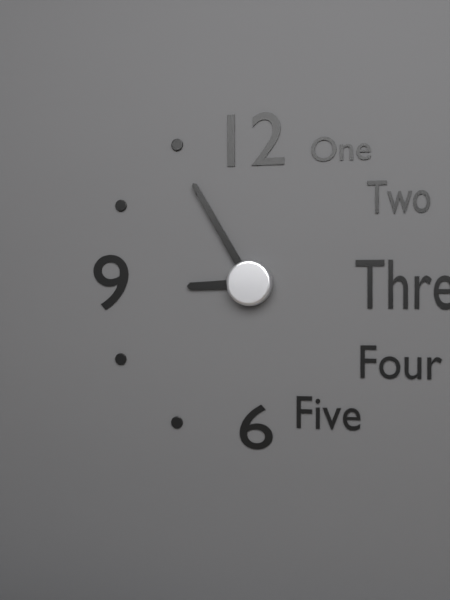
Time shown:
8.55
